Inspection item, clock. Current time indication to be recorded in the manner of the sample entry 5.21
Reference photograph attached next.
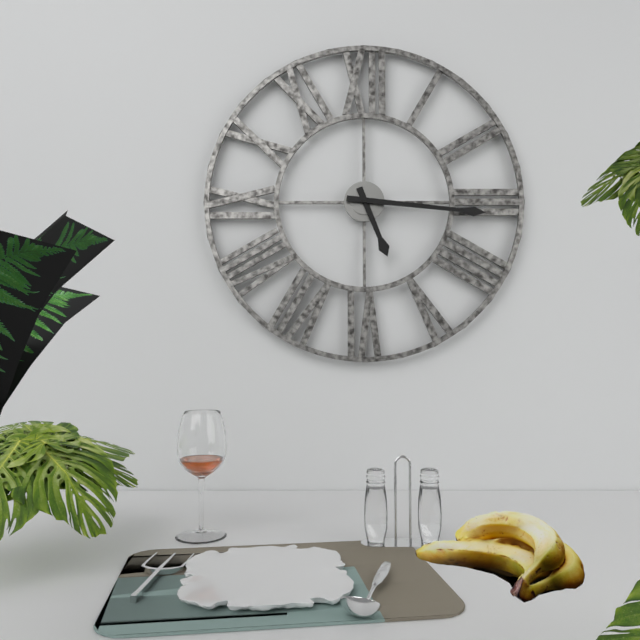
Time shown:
5.16
